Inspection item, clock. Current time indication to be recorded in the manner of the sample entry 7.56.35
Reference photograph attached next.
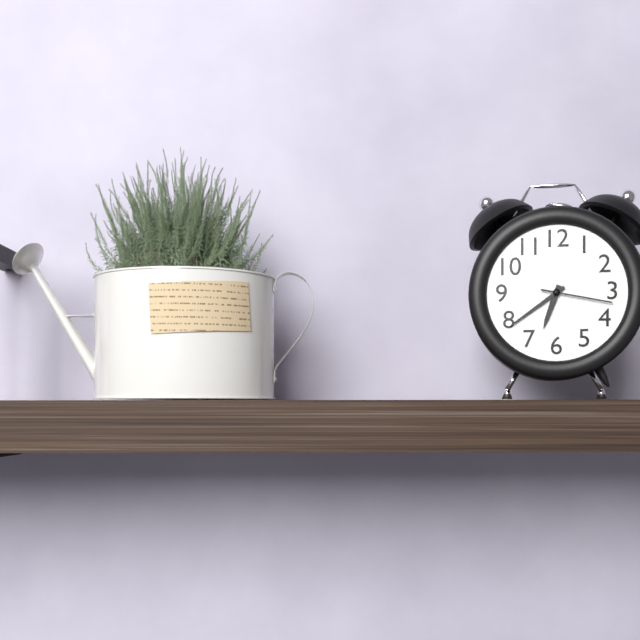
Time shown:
6.39.17
